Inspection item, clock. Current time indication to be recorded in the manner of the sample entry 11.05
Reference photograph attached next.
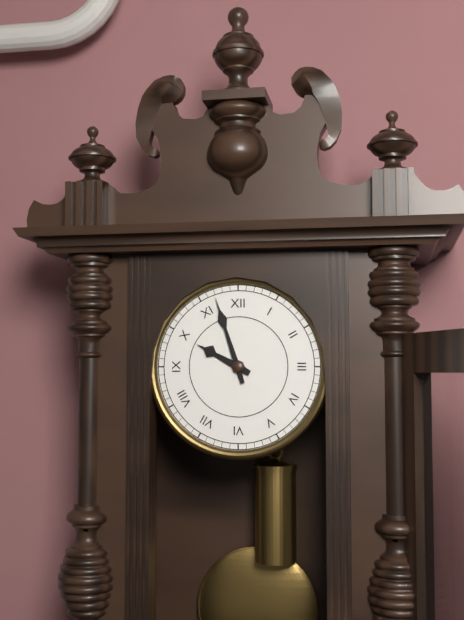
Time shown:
9.57
